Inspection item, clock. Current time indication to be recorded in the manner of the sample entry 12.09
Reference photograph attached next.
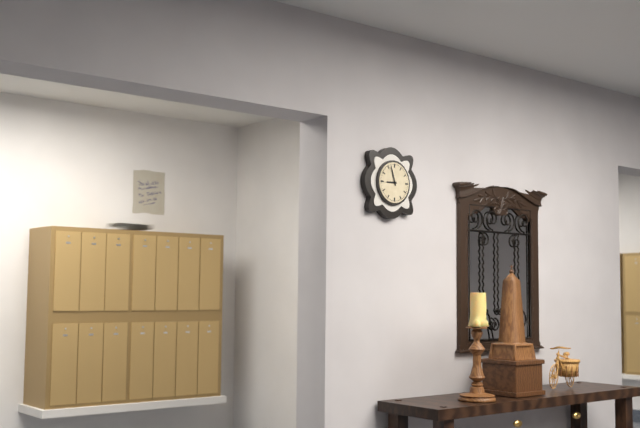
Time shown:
8.57
